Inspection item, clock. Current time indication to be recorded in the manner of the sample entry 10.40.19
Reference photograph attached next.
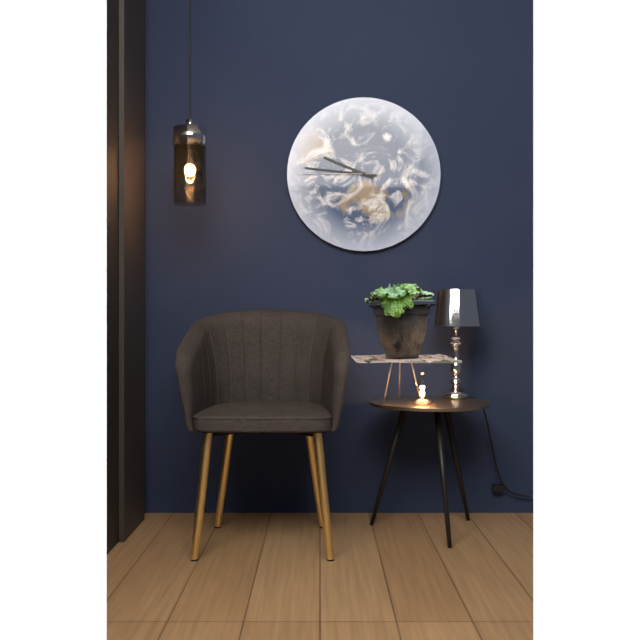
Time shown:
9.46.45
